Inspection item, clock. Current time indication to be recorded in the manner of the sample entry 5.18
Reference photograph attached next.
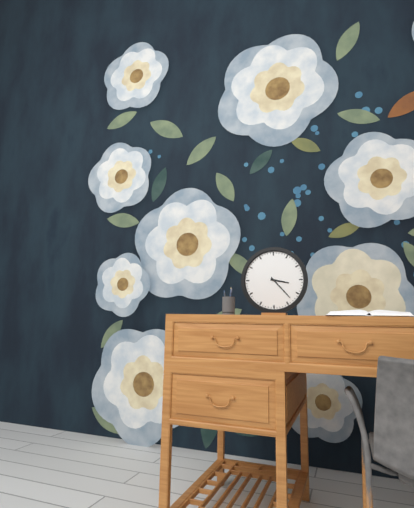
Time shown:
3.23
